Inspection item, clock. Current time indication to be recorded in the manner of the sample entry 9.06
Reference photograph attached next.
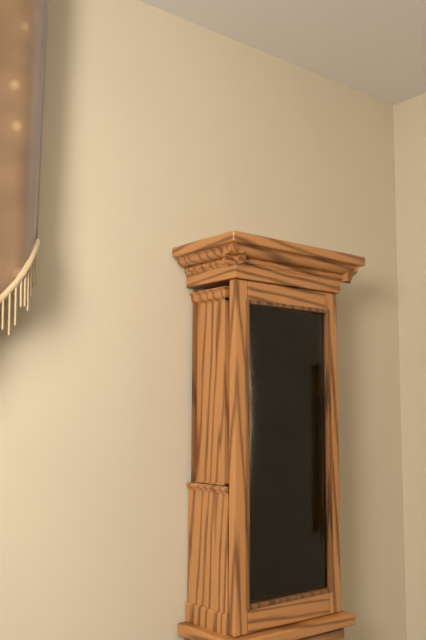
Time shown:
1.59
